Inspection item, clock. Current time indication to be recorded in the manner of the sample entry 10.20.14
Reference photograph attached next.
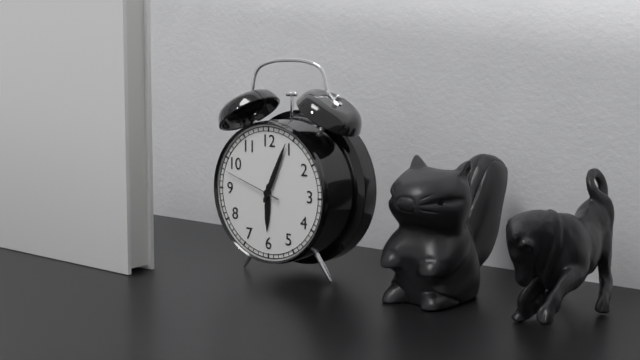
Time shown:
6.04.48
